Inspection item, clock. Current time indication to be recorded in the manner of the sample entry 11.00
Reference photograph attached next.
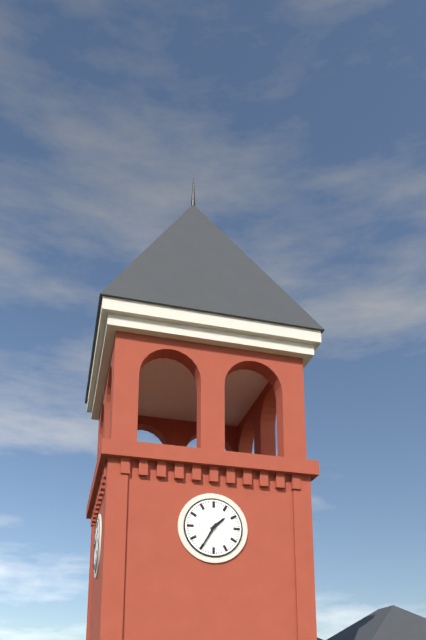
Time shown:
1.35
